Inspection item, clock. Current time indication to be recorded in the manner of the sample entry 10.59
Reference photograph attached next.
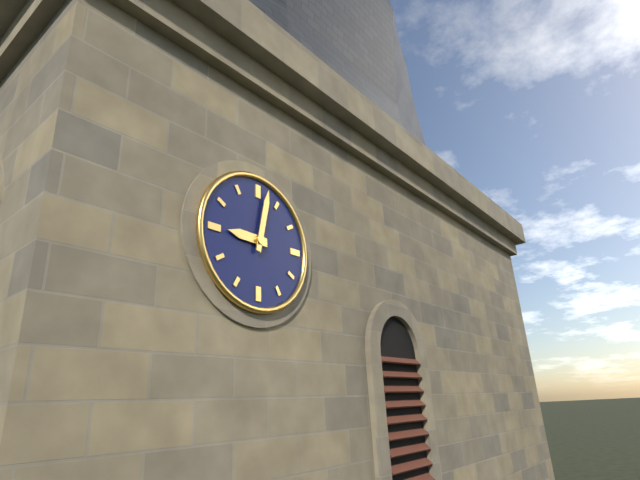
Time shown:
9.02
